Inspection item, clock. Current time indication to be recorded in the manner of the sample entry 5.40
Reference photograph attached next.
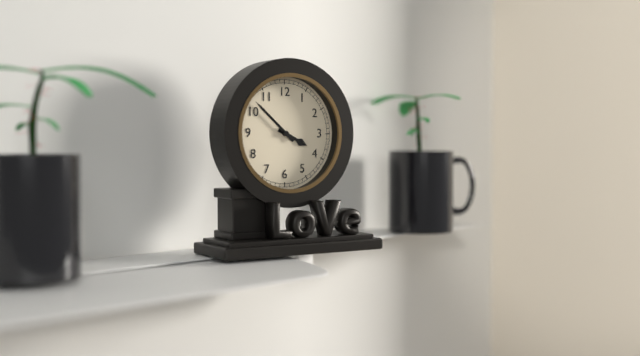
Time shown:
3.52
